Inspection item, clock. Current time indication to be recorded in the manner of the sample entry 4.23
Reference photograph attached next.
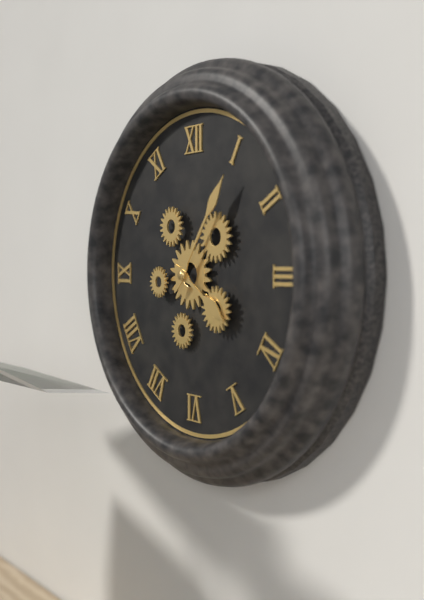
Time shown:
4.06
